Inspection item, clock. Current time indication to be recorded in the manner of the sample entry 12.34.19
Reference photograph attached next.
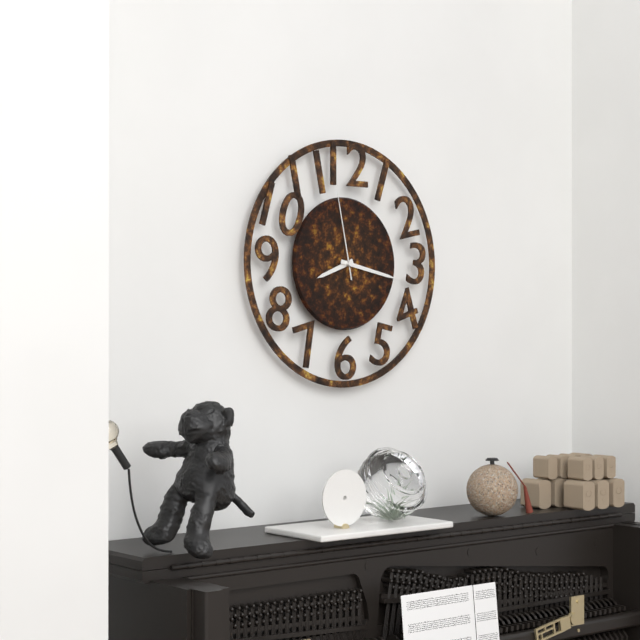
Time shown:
8.17.58
